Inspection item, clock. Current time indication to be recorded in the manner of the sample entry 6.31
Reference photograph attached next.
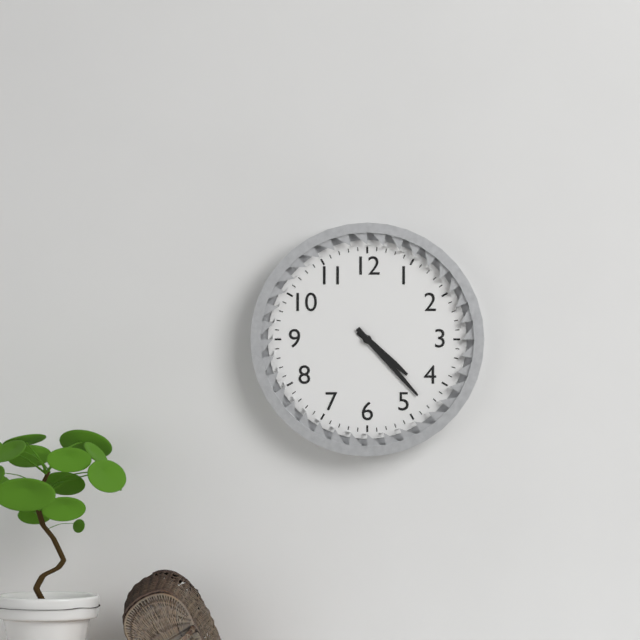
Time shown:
4.23
